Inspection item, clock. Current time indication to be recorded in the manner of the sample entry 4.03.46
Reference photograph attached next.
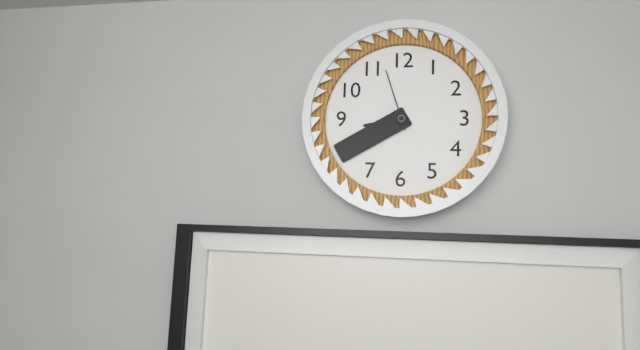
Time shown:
8.40.57
